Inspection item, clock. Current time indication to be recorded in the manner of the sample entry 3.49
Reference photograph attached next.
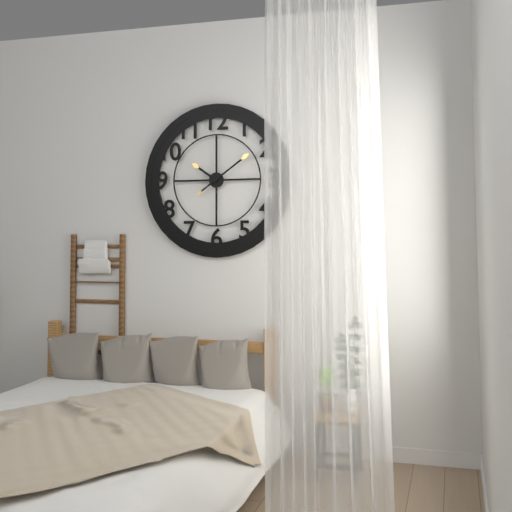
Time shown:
10.09
